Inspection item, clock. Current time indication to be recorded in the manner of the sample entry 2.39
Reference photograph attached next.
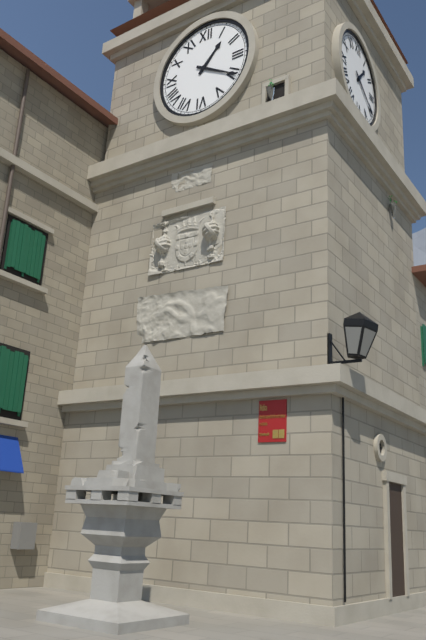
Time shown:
1.20
